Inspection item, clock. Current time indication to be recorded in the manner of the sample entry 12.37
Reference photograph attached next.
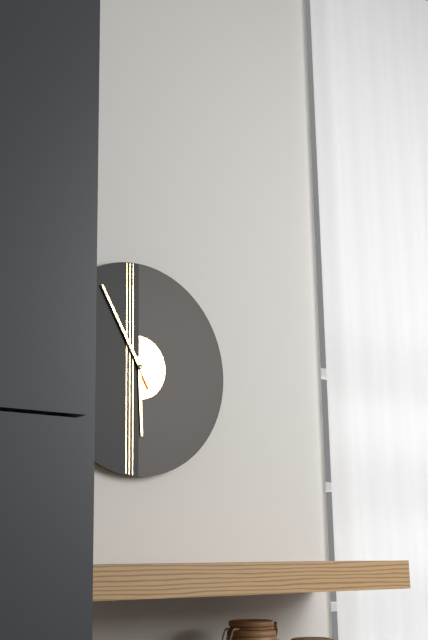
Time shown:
5.55
